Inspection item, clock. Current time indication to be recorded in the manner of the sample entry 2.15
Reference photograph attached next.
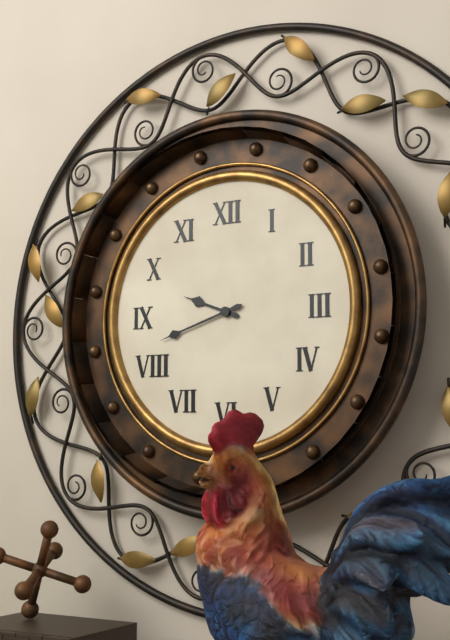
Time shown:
9.42
